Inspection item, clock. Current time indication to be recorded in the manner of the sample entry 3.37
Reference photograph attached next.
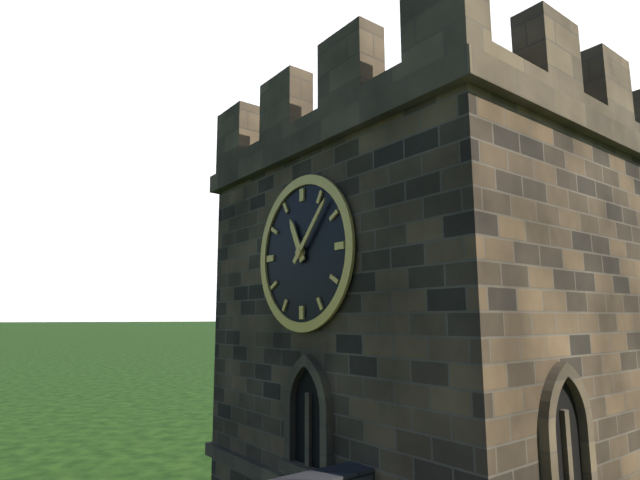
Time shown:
11.07
